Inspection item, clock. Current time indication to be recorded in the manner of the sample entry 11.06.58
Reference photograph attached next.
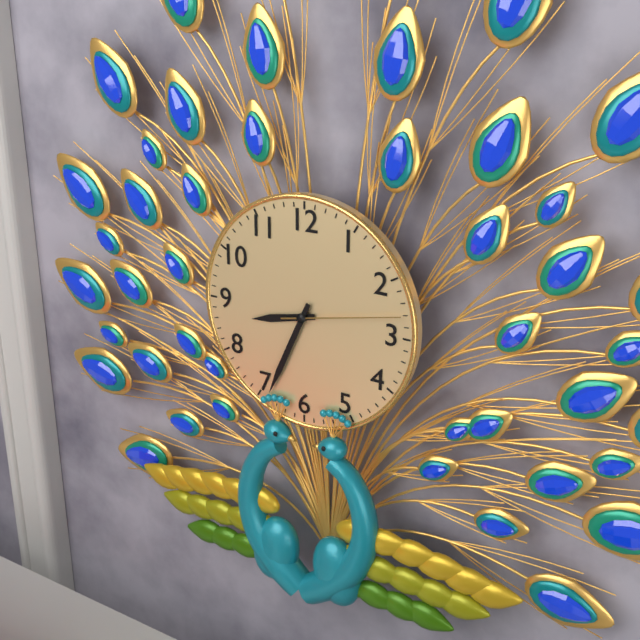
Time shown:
8.34.13
